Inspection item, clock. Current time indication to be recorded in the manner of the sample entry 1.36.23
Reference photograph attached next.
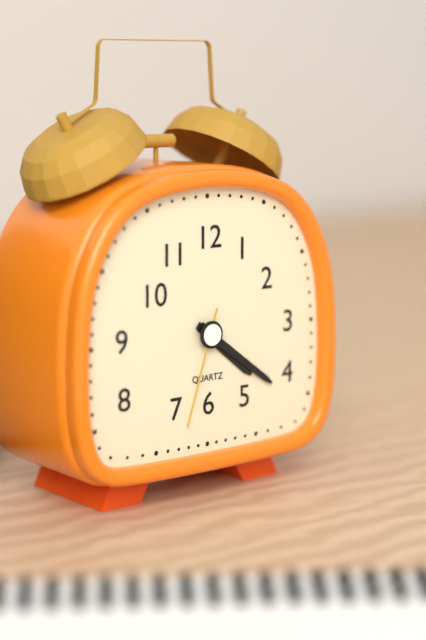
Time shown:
4.21.33
